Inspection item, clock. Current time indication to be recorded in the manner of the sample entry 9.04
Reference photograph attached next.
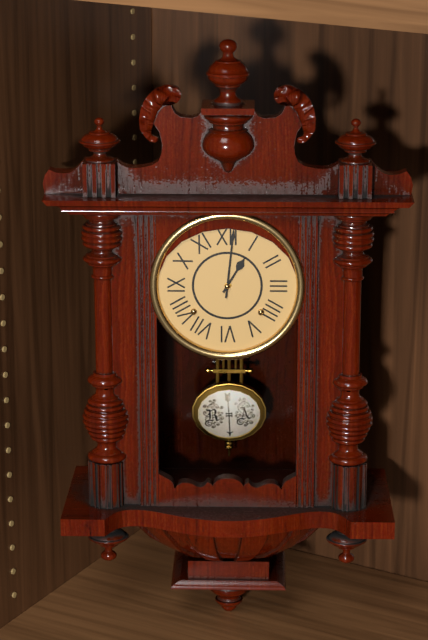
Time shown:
1.01
